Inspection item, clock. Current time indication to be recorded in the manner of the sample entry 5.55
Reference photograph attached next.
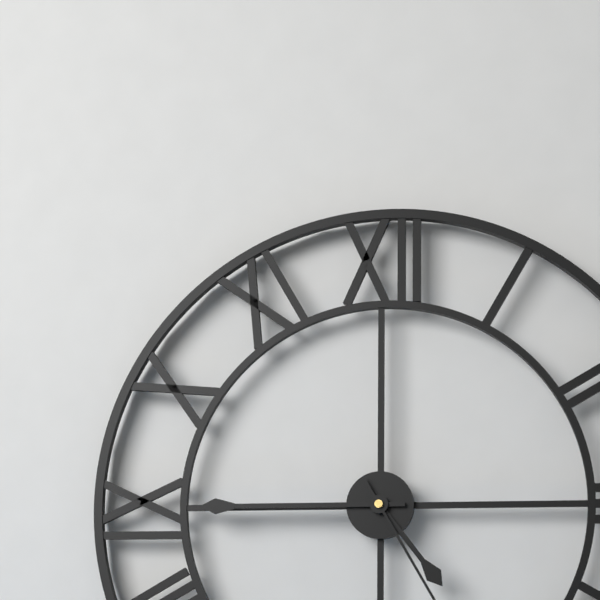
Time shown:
4.45
